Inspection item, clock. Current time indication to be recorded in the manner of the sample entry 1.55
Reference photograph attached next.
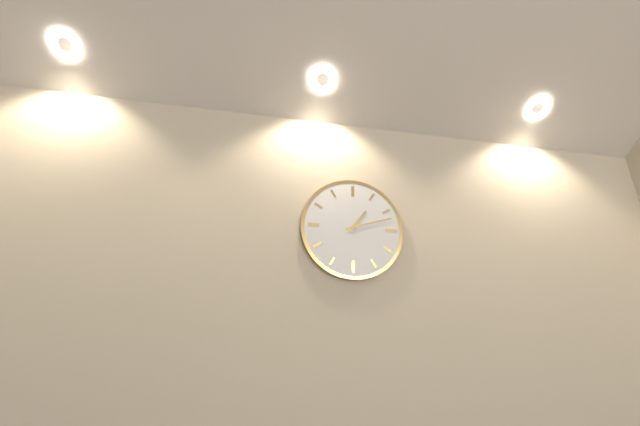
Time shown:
1.12
